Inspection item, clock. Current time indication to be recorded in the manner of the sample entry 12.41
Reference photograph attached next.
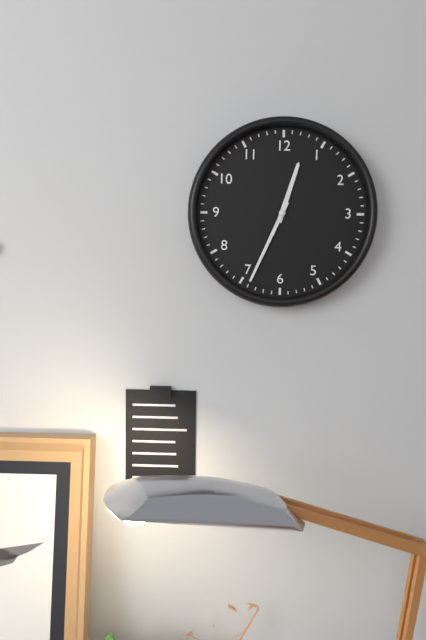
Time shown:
12.34
